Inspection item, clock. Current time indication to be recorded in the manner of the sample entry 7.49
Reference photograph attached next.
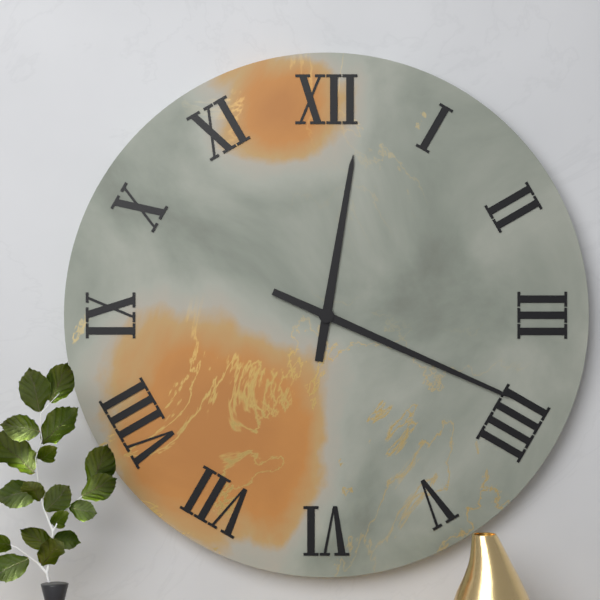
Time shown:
12.19
